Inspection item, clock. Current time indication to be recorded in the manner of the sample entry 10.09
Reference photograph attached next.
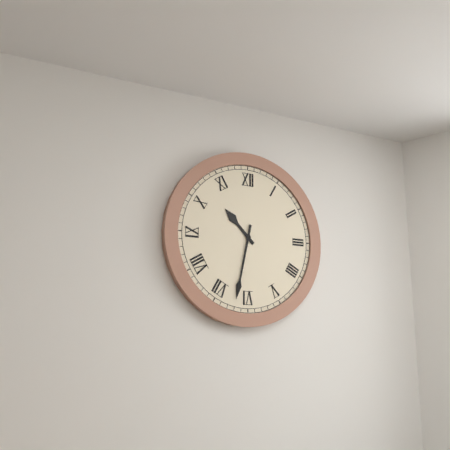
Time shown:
10.32
